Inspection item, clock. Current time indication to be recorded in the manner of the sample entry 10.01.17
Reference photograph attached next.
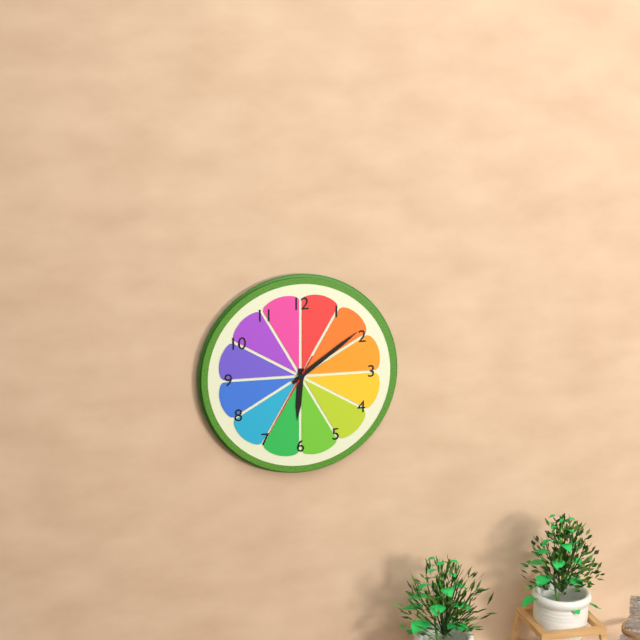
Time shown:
6.09.35
